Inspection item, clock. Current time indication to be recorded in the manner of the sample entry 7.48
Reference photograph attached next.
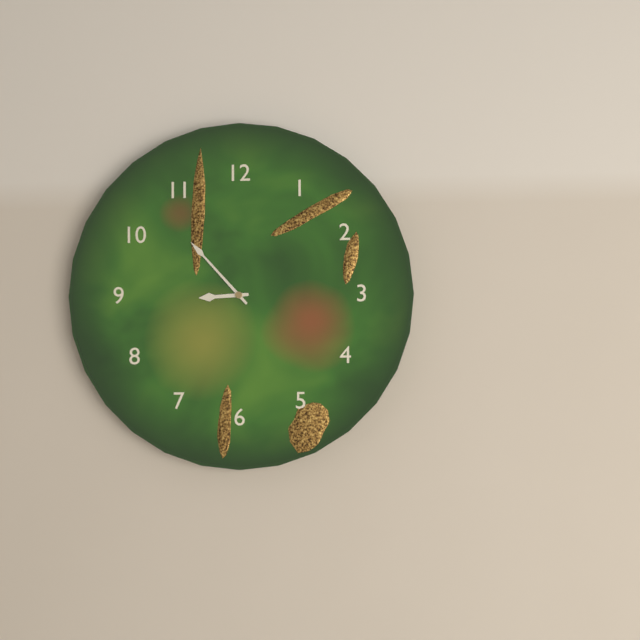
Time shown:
8.53
